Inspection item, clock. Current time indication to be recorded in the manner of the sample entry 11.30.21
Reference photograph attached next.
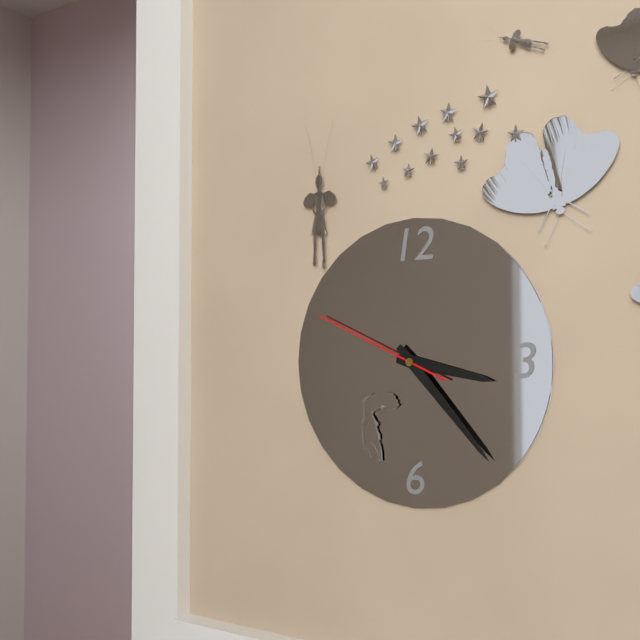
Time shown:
3.23.49
